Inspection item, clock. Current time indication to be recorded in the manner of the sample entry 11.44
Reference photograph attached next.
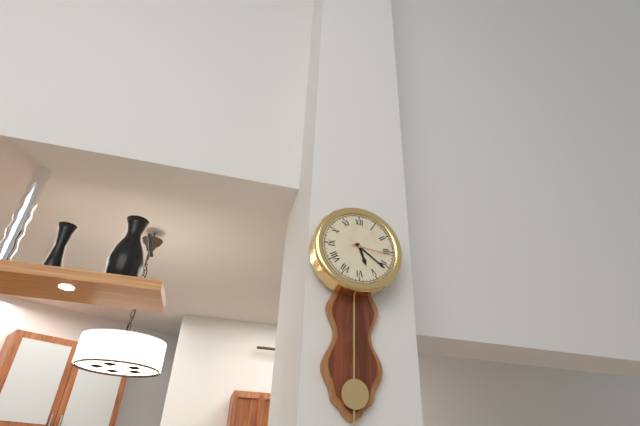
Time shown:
5.21
